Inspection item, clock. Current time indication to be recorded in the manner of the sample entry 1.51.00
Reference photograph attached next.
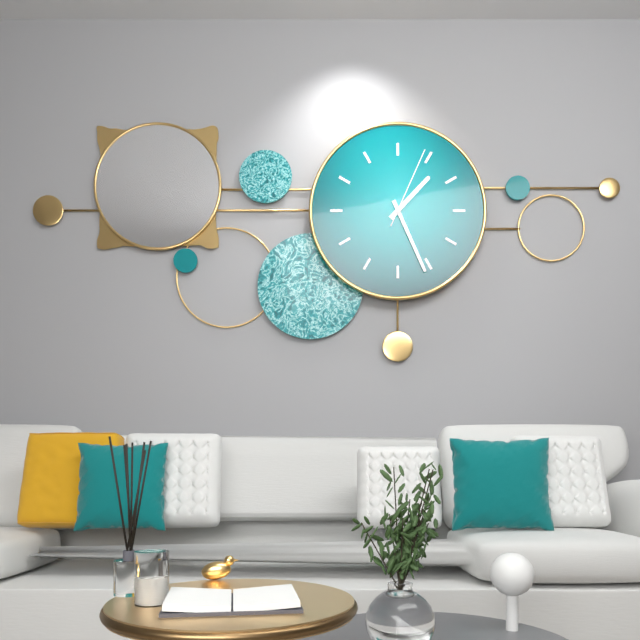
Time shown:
1.26.04
